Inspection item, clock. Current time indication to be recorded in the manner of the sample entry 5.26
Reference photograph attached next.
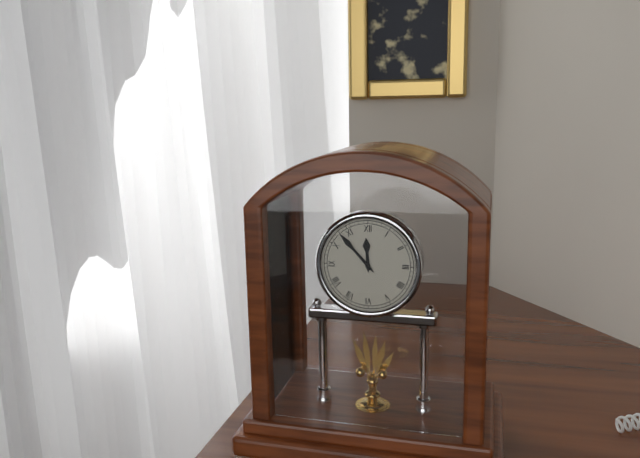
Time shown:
11.53
